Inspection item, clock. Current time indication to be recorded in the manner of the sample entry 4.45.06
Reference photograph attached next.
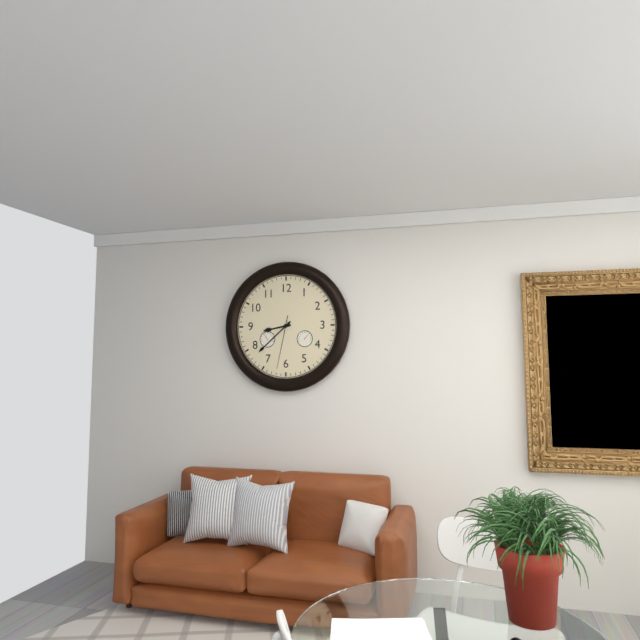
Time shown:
8.38.32
